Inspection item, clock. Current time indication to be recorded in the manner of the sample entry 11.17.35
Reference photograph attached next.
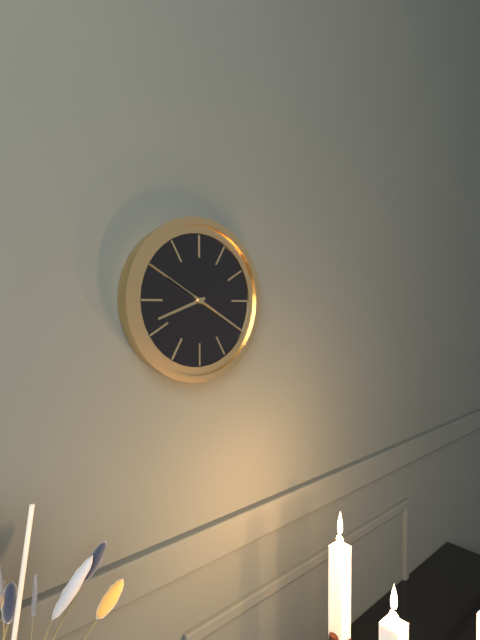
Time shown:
8.20.50
